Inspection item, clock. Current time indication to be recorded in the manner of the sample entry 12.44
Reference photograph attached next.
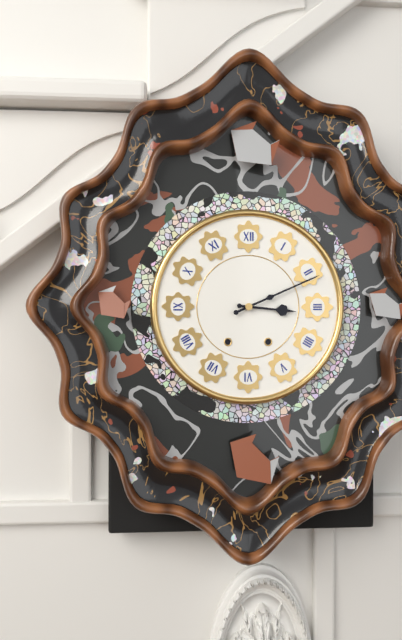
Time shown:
3.11
